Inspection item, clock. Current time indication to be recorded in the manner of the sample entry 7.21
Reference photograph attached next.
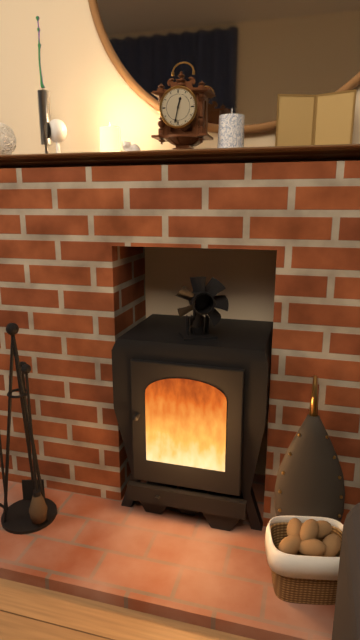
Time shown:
12.32
